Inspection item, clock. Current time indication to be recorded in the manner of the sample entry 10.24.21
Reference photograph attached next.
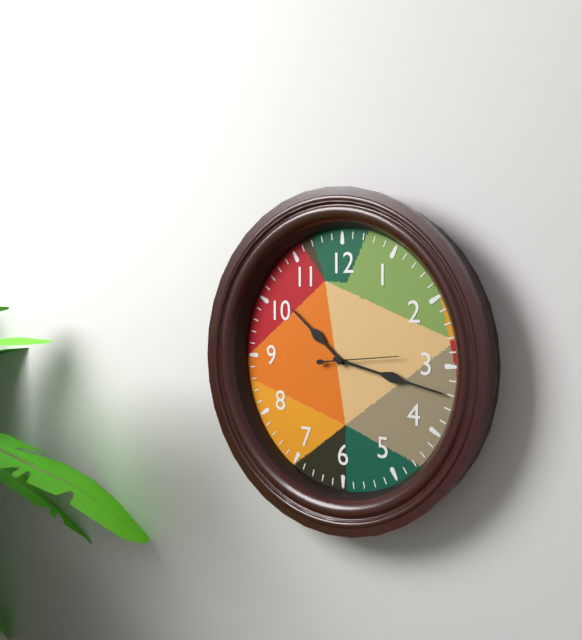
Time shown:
10.17.14
